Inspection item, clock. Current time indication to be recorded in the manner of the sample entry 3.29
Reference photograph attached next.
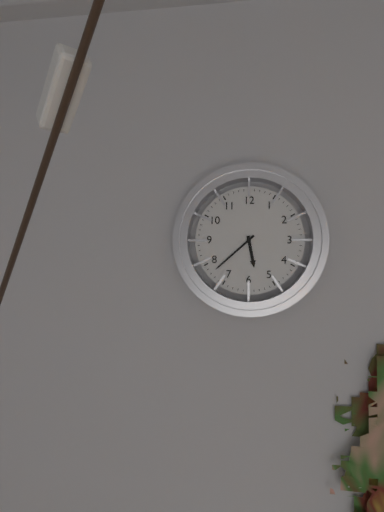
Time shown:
5.38
